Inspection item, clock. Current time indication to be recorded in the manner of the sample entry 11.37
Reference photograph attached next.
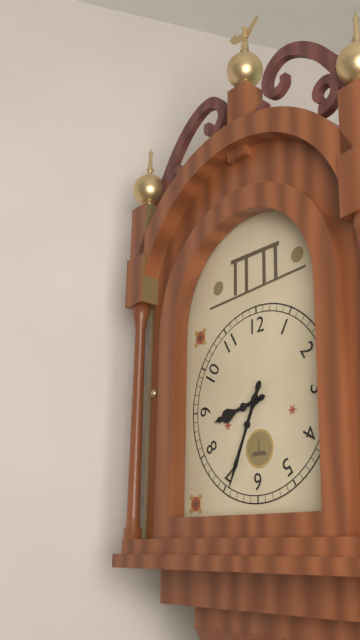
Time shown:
8.34
